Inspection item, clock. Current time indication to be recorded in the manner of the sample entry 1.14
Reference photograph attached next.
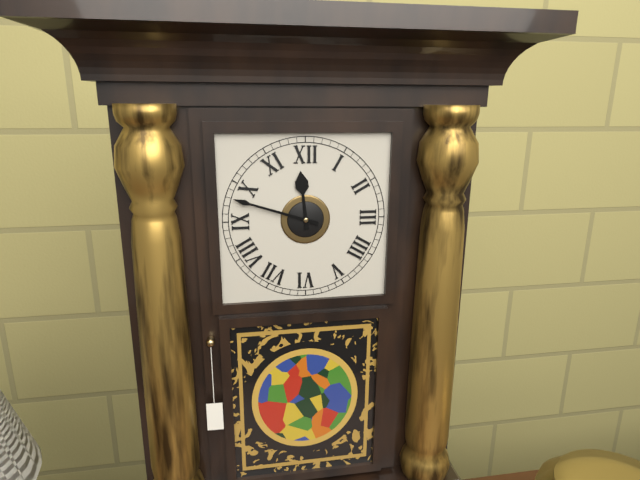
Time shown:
11.48
